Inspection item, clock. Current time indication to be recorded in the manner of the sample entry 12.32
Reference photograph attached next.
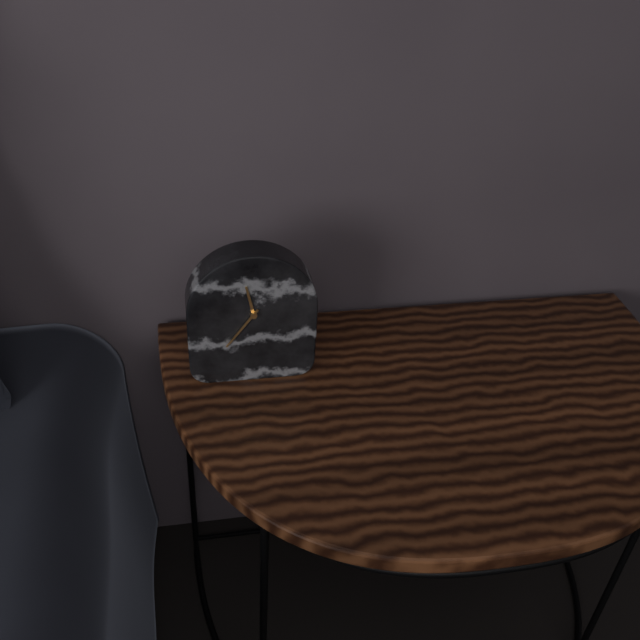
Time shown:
11.36
